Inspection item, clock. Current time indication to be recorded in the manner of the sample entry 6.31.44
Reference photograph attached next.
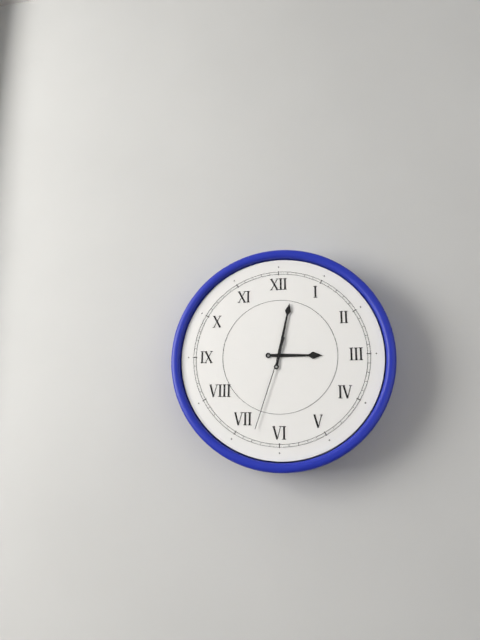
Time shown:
3.02.33
